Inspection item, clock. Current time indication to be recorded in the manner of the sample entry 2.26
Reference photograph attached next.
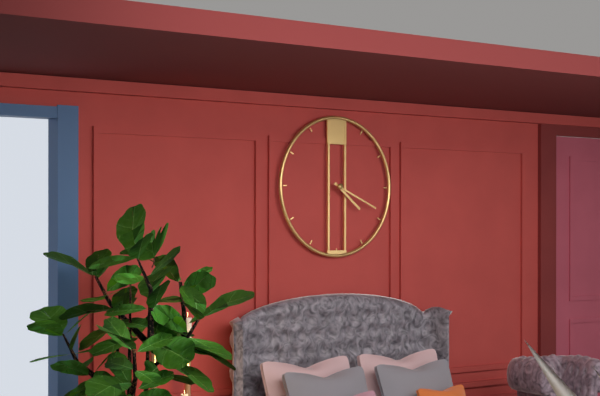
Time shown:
4.19
